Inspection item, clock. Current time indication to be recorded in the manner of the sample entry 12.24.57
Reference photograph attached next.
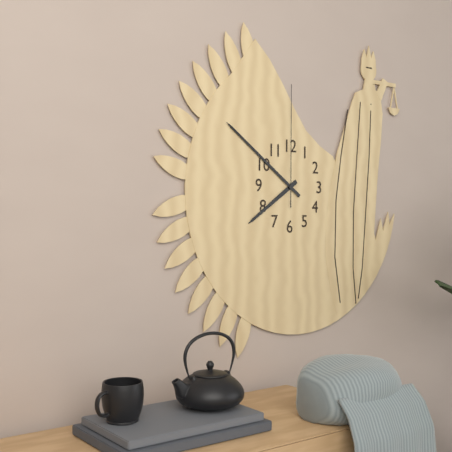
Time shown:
7.51.00
